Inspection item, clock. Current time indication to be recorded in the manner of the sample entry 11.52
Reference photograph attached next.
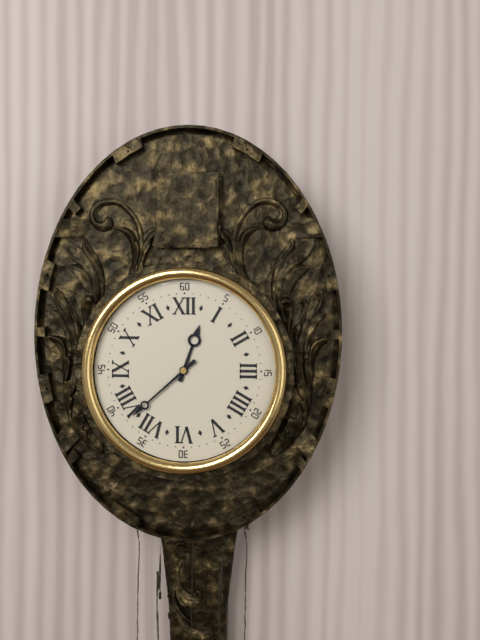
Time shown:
12.38
